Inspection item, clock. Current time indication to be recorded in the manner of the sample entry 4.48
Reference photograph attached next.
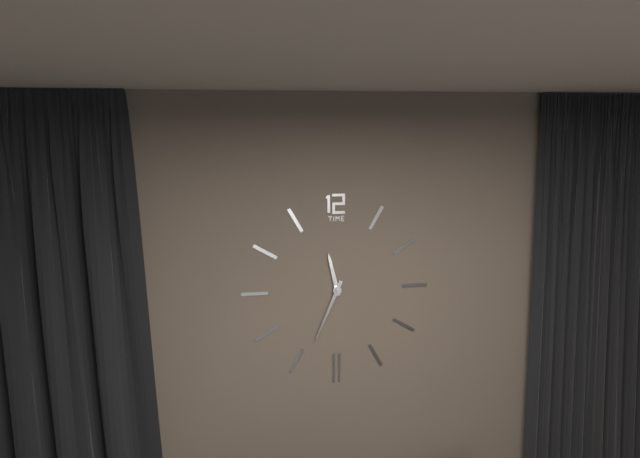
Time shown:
11.34
